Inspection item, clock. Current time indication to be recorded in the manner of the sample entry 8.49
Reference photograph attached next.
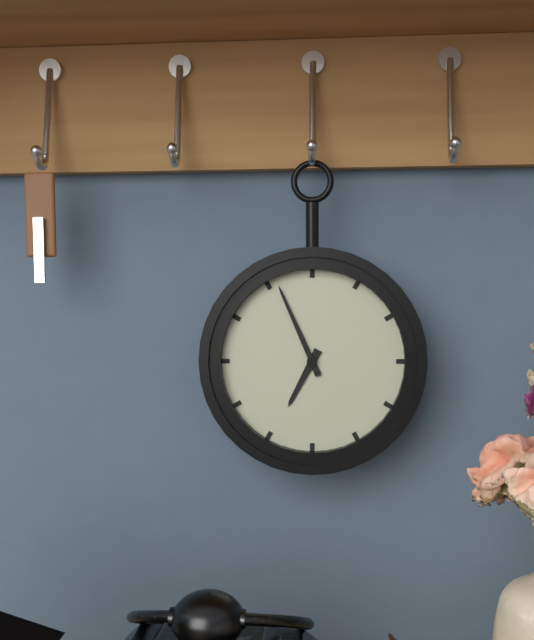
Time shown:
6.56
